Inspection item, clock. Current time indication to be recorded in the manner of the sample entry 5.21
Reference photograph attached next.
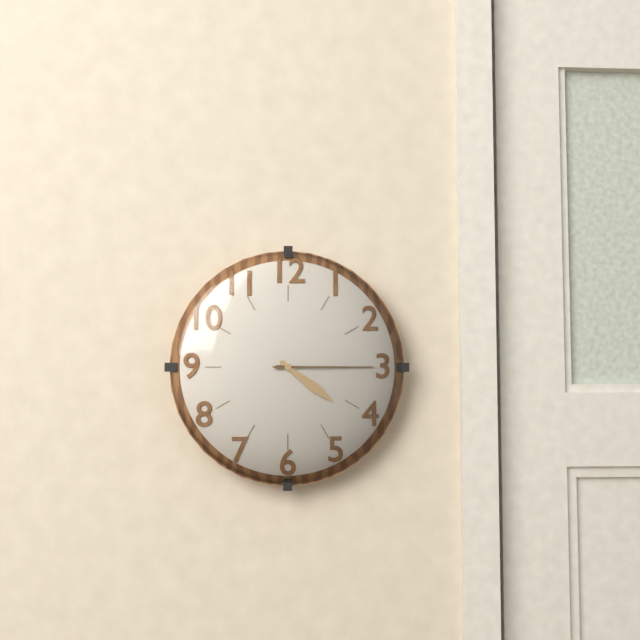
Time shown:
4.15
